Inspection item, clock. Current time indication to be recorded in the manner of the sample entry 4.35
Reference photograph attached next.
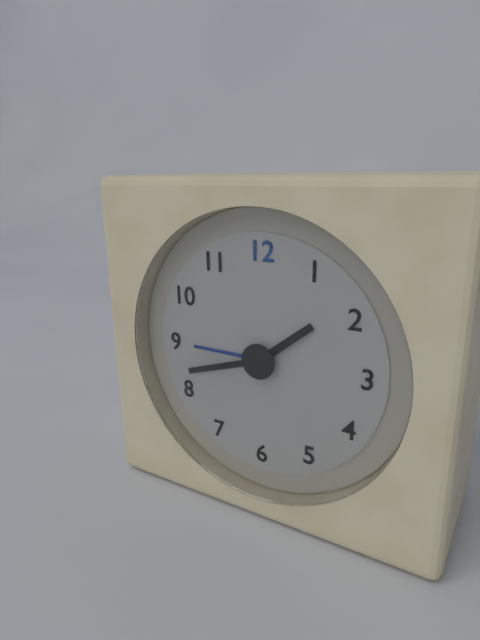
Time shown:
1.42
